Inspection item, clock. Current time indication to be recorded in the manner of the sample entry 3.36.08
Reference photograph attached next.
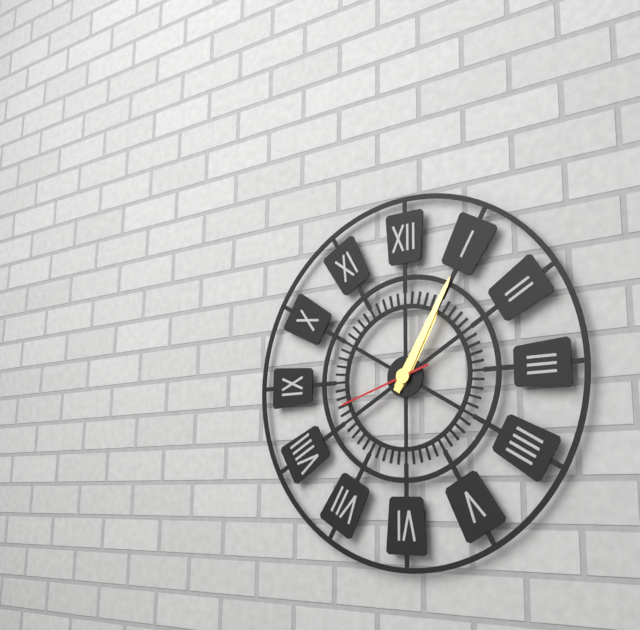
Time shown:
1.05.42
